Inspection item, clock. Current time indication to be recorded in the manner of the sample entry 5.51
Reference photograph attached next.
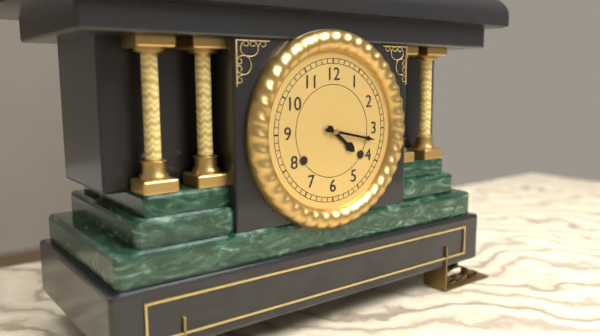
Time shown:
4.17
